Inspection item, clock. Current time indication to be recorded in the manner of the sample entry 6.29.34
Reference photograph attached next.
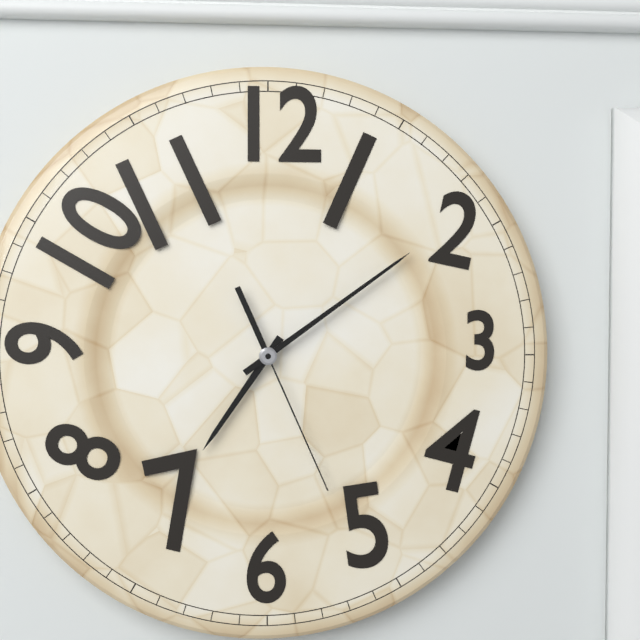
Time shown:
7.09.26
